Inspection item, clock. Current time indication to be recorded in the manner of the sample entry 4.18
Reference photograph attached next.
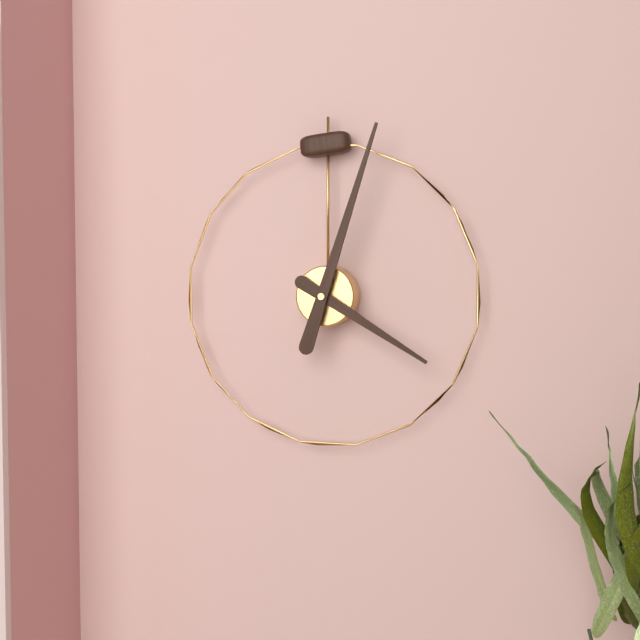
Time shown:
4.03
